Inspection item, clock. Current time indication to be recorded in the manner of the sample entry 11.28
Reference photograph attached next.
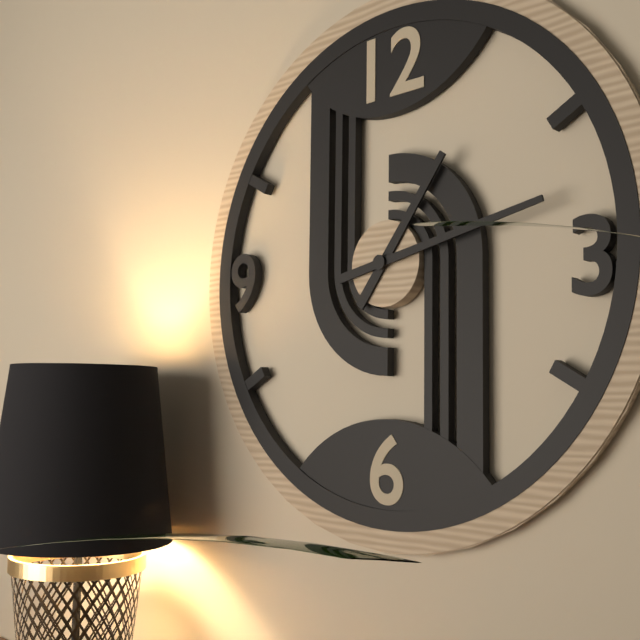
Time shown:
1.13
